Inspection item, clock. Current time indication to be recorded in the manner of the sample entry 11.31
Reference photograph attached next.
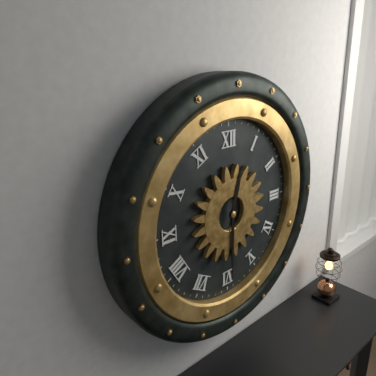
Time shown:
12.30
